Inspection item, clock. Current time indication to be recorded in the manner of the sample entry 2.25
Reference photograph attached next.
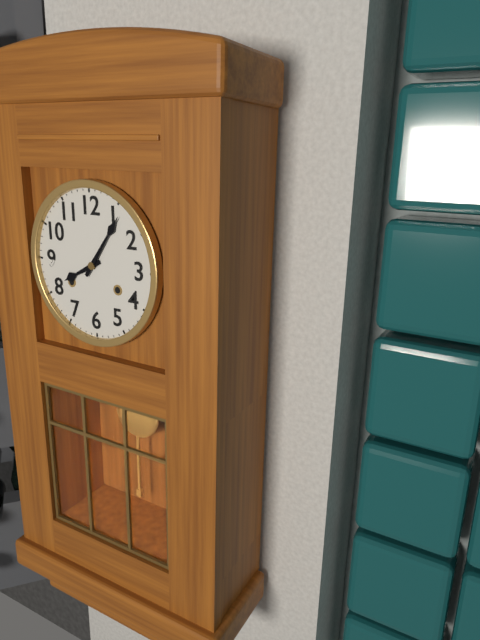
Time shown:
8.06
